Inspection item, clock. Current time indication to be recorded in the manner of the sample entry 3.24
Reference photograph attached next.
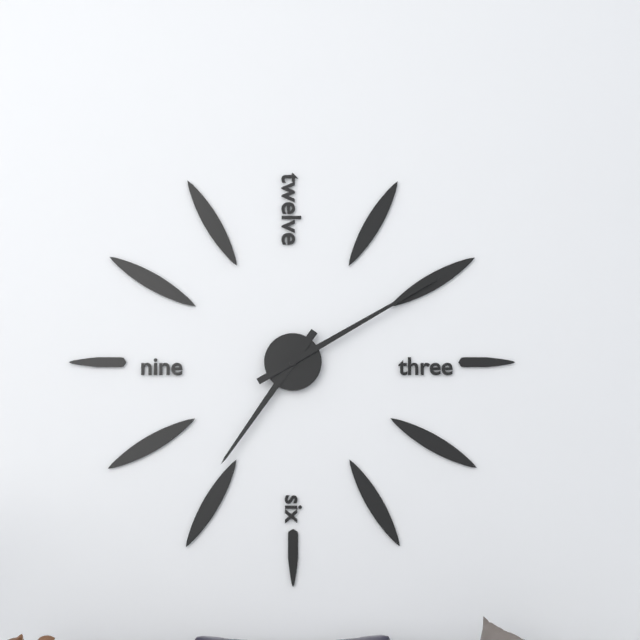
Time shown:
7.10
